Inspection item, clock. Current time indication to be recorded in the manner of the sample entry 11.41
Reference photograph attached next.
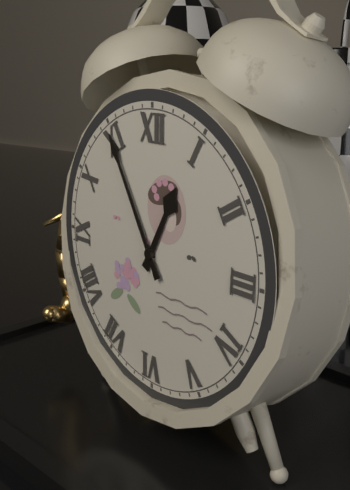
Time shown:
12.55
